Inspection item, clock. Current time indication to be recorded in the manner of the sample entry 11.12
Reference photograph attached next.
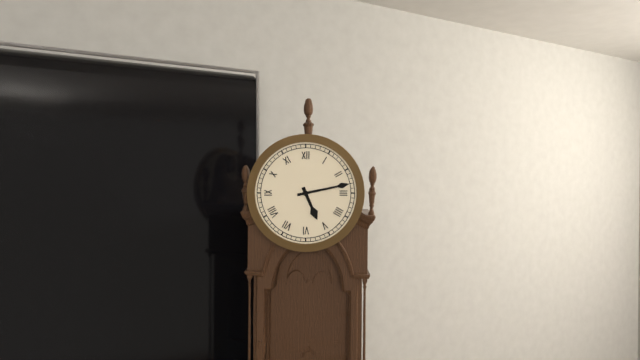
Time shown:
5.13
